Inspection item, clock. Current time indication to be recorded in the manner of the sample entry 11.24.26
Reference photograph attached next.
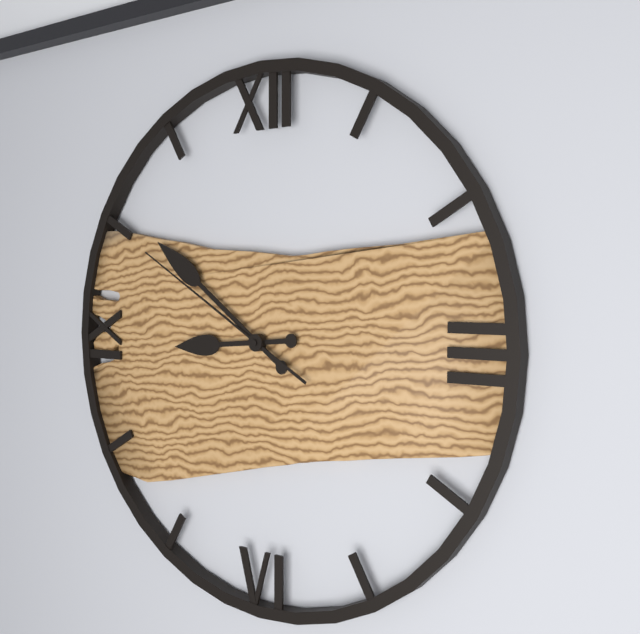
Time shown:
8.51.50
